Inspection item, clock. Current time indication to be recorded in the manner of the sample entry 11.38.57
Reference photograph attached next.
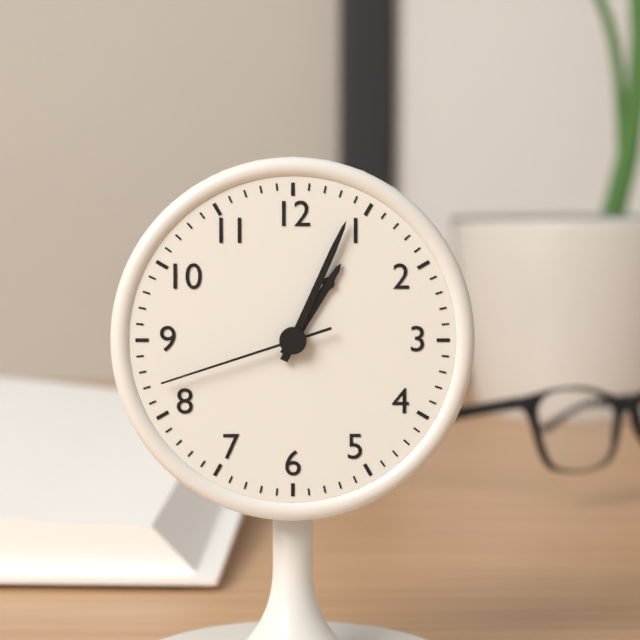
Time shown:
1.04.42
